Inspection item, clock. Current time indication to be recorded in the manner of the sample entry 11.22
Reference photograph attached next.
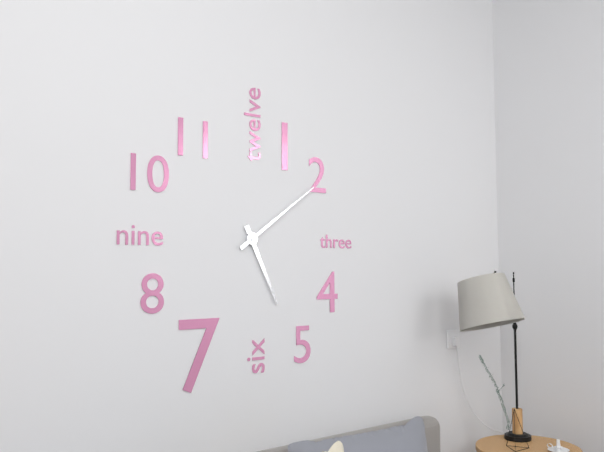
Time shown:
5.09
